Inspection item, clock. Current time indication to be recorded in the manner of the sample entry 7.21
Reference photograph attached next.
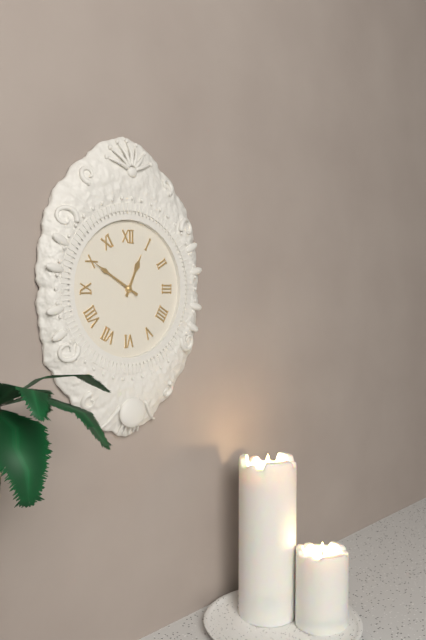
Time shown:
12.50
